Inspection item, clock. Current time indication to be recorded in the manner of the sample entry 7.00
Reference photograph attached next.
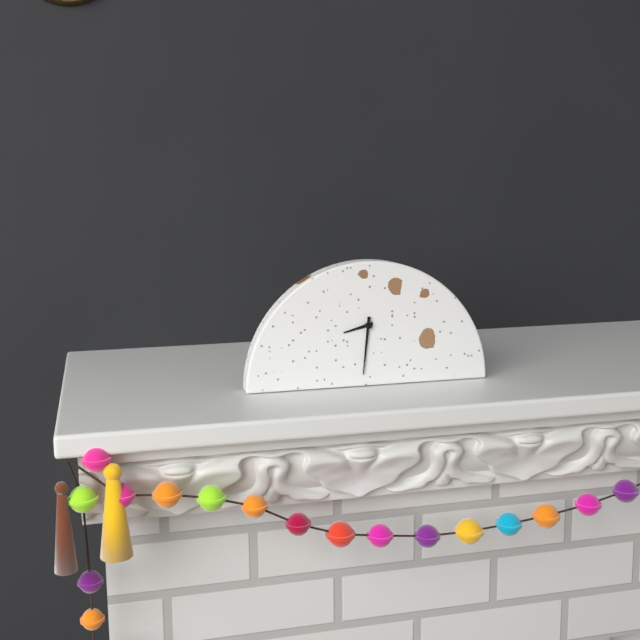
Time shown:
8.31
